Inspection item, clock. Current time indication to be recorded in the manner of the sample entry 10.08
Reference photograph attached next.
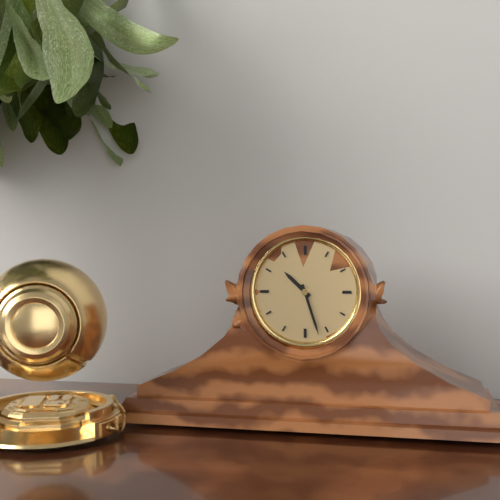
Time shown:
10.27
